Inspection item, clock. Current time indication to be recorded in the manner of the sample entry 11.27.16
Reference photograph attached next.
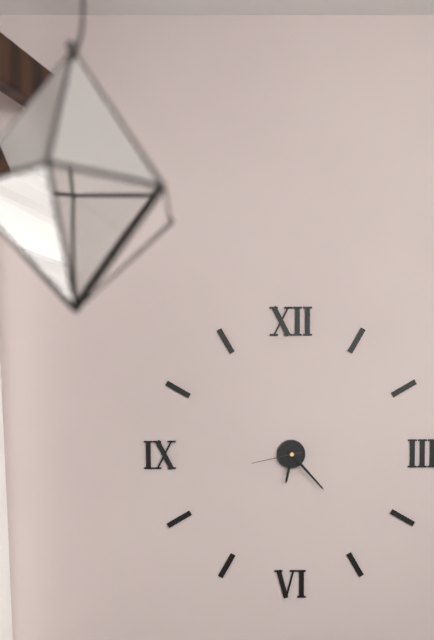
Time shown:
6.23.43
